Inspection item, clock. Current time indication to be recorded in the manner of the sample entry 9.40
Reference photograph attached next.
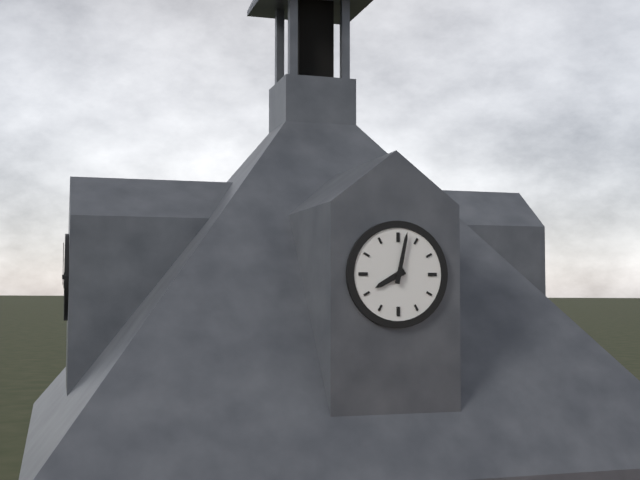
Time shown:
8.02
